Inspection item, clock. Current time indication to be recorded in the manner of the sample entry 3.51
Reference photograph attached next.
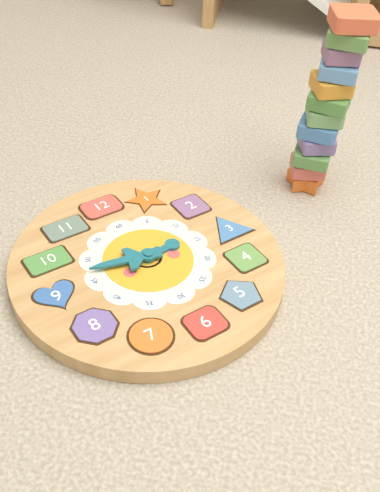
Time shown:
2.47
